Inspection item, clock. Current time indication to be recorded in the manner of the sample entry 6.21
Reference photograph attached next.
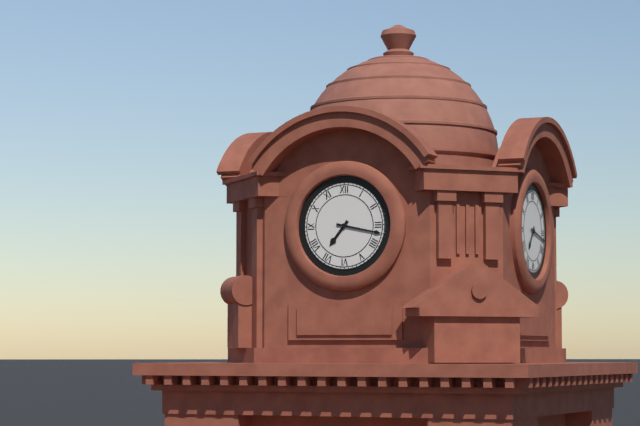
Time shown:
7.17
